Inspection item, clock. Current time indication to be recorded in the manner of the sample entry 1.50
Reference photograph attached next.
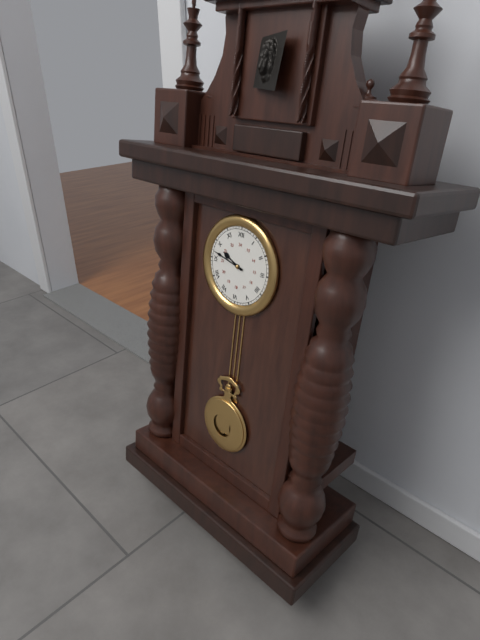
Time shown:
9.47
